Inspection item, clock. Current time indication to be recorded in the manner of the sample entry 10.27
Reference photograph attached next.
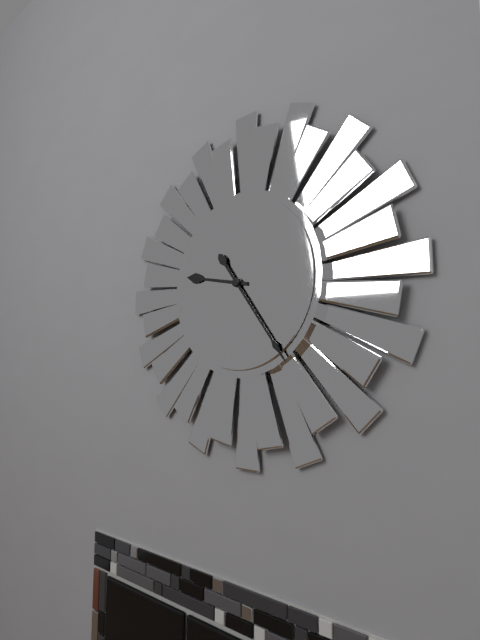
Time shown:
9.24
